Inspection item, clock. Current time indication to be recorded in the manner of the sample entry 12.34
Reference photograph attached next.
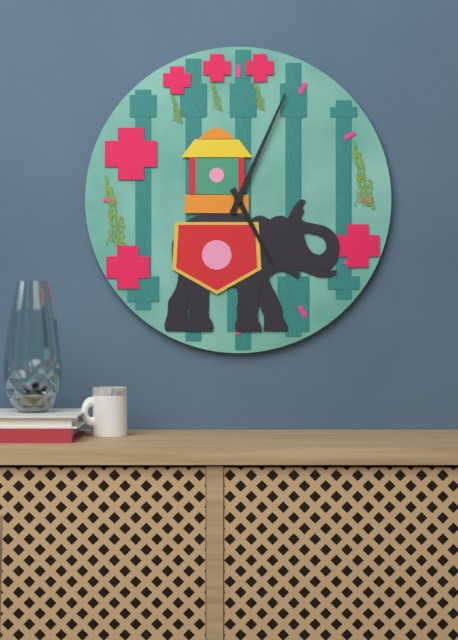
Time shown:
5.04
